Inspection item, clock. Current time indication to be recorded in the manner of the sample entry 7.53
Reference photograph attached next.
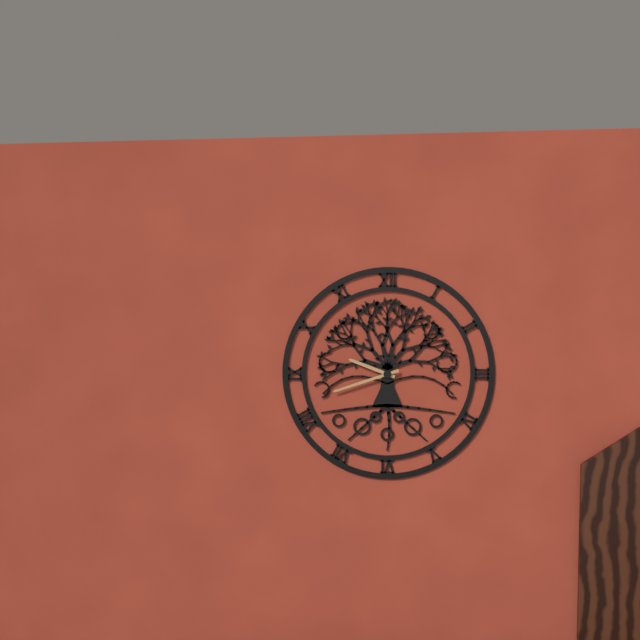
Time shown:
9.42
